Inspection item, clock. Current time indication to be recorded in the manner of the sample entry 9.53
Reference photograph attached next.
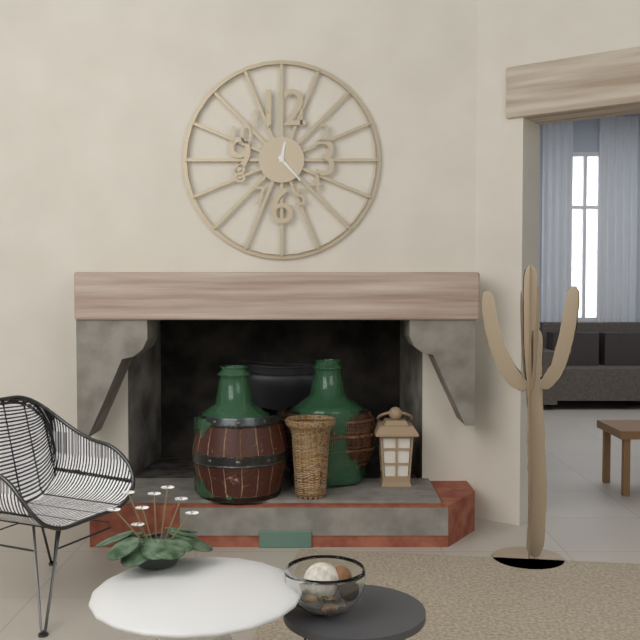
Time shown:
12.23
